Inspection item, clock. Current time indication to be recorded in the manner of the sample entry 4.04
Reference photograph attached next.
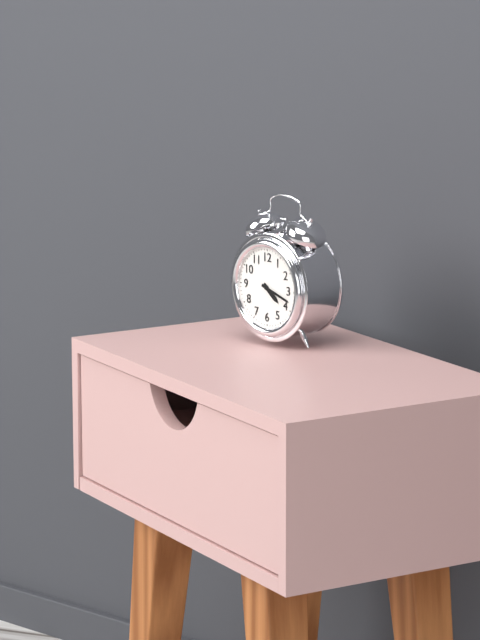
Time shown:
4.18
